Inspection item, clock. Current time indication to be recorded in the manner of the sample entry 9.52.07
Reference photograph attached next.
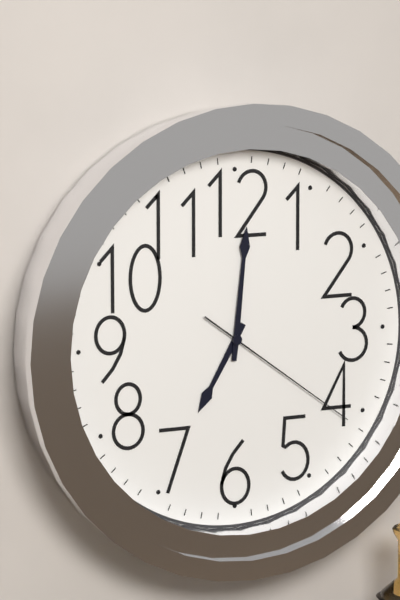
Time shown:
7.01.21
